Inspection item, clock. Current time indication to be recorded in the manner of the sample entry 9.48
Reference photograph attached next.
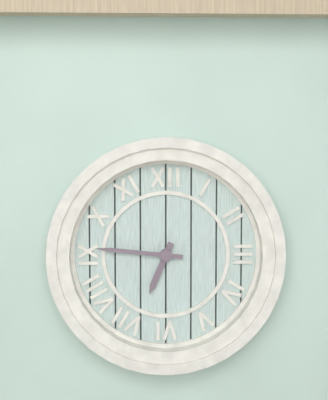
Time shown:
6.46
